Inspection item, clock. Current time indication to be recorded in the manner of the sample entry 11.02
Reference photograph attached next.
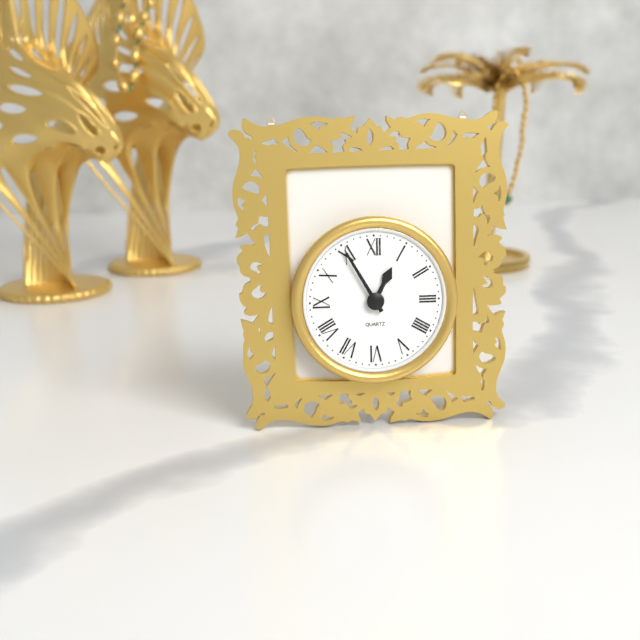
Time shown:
12.55
